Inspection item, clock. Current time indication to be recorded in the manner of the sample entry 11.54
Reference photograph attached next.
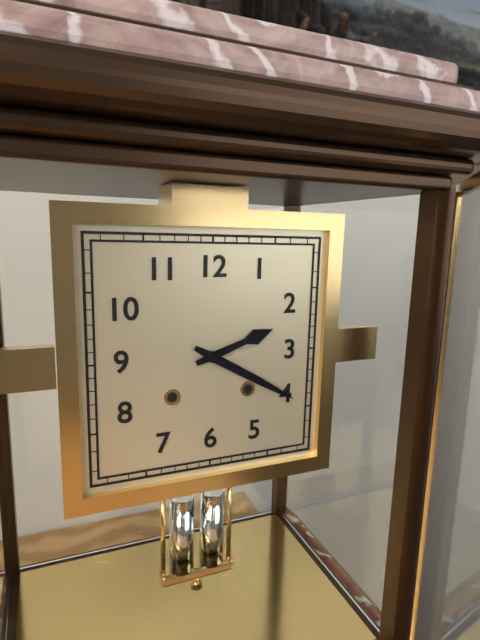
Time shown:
2.20
